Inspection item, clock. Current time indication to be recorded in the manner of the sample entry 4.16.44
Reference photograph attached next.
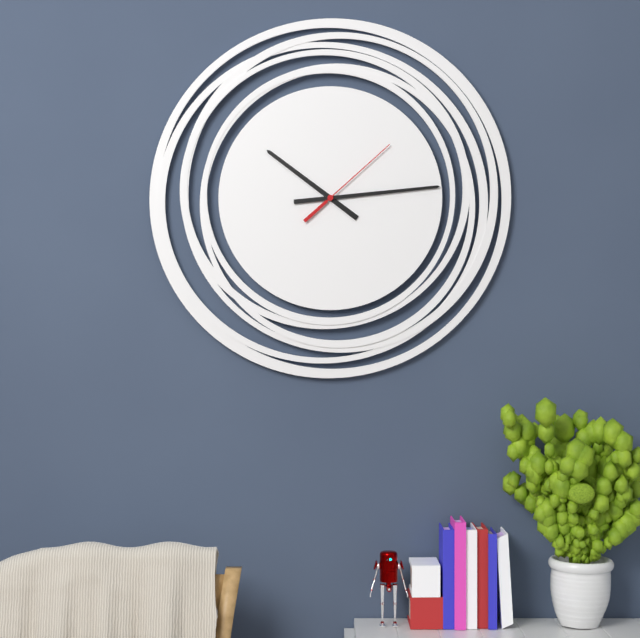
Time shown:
10.14.08
